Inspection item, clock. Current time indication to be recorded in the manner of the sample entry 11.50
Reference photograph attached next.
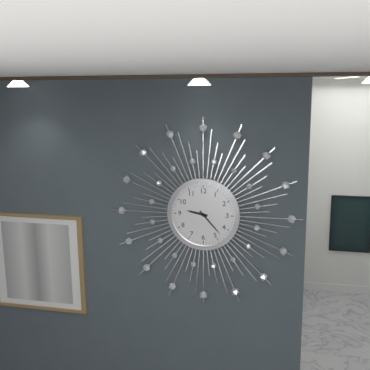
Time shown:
9.23
